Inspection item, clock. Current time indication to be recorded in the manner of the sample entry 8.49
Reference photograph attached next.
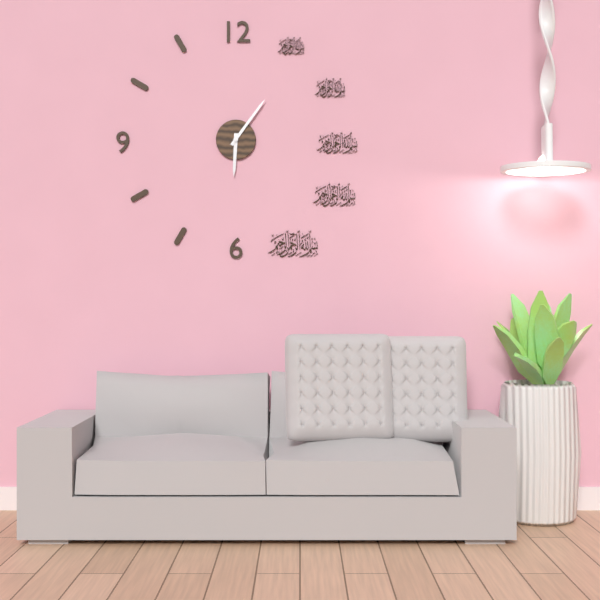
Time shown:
6.06
